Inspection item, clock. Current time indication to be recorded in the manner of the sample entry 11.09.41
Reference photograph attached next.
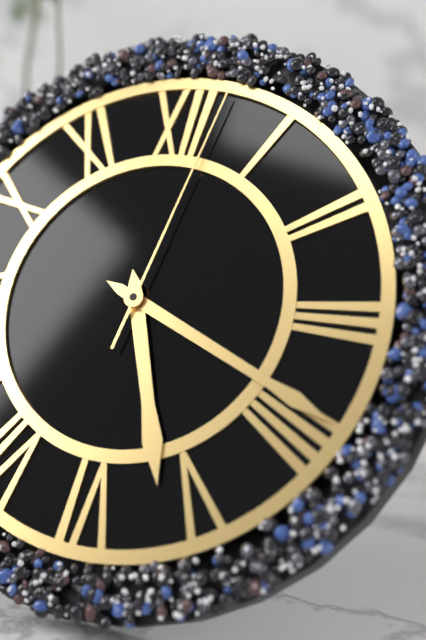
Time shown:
5.19.02
